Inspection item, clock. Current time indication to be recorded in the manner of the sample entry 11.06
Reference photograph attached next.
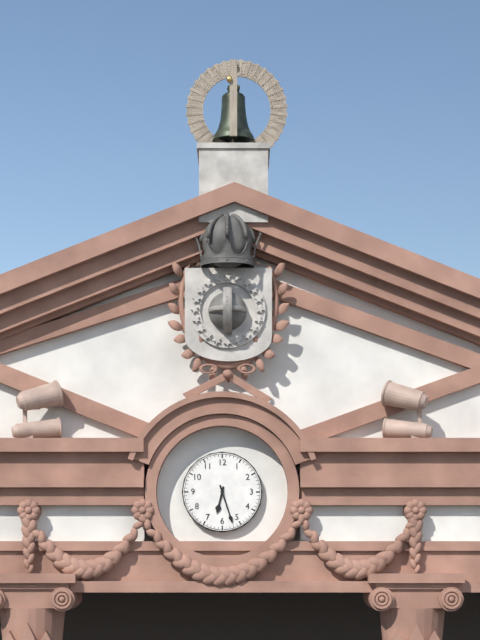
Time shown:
6.27
